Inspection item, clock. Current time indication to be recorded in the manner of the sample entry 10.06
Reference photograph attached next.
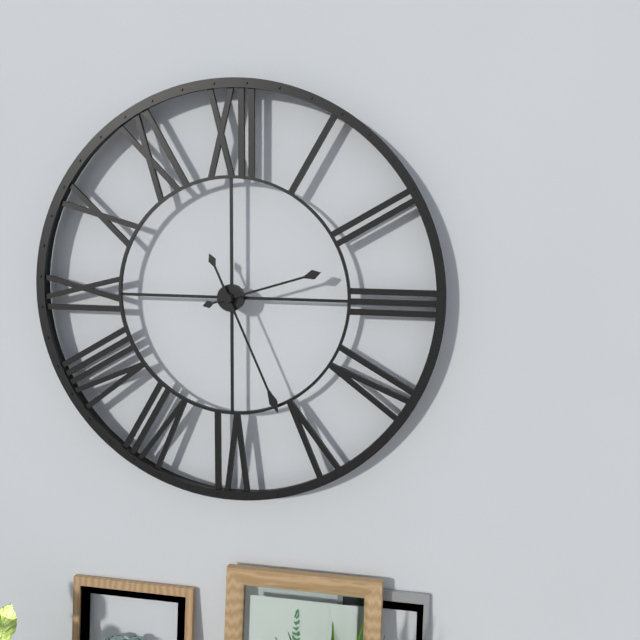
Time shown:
2.26
